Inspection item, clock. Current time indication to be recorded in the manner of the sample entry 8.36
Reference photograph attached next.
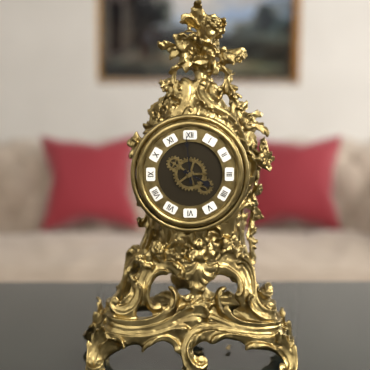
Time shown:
3.59
